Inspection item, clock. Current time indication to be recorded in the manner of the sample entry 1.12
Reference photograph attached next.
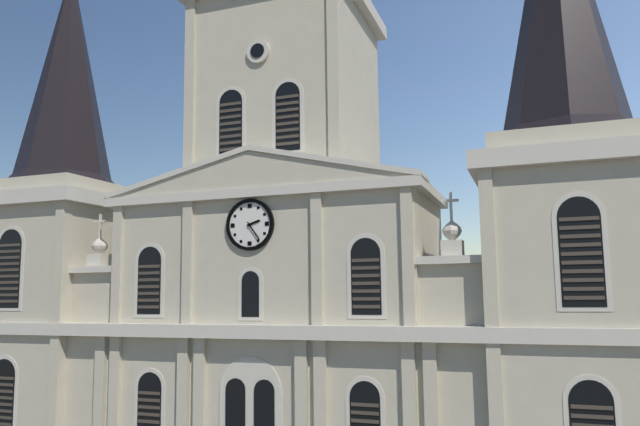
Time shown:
2.24
